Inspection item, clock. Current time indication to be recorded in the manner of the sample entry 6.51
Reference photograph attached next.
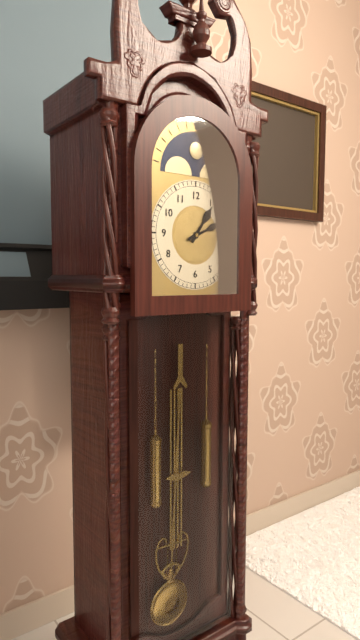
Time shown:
1.11
